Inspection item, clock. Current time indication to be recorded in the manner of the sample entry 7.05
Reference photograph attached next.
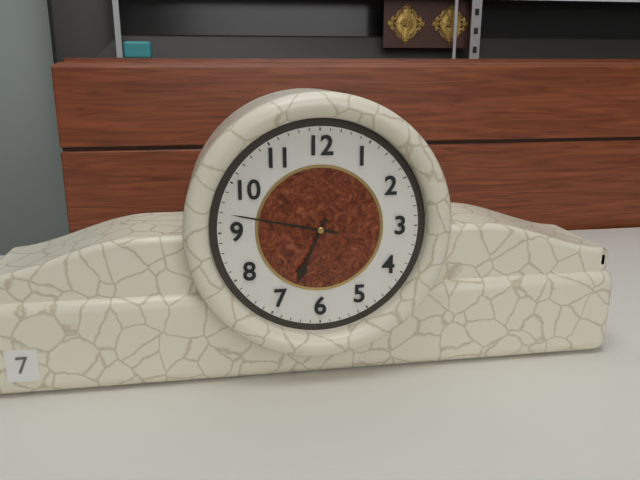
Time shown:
6.47
